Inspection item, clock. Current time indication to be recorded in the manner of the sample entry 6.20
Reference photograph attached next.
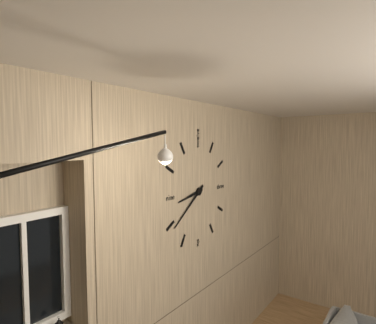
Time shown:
8.39
